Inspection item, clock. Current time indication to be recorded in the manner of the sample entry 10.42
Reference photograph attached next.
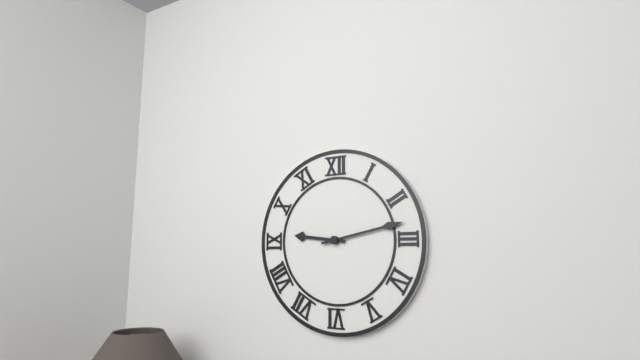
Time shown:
9.13
